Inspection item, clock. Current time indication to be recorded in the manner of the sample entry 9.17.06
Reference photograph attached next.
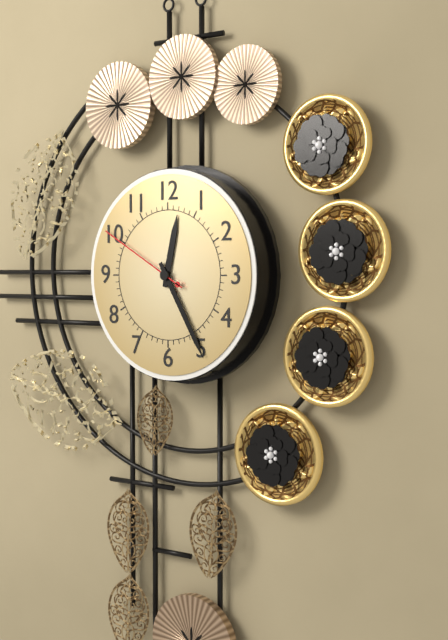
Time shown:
12.25.50
